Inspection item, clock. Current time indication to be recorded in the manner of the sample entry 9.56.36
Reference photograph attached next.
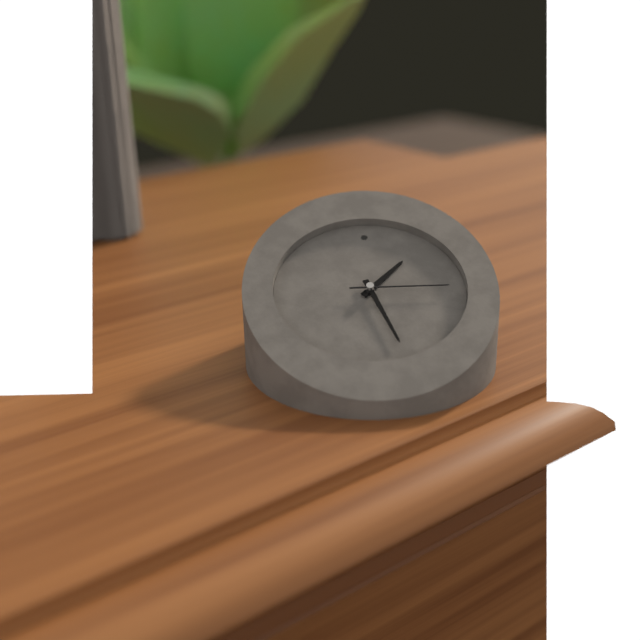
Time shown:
1.27.15
